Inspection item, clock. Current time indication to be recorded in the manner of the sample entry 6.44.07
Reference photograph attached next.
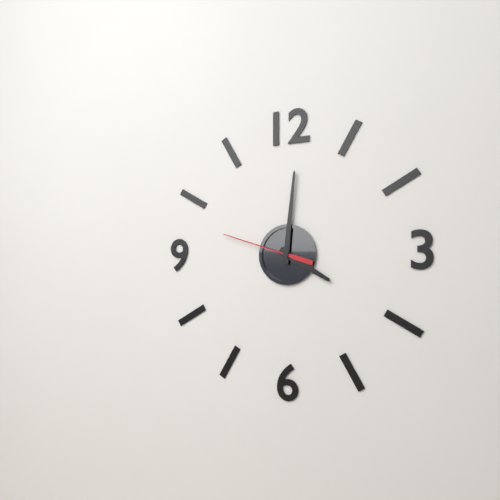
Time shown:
4.01.48
